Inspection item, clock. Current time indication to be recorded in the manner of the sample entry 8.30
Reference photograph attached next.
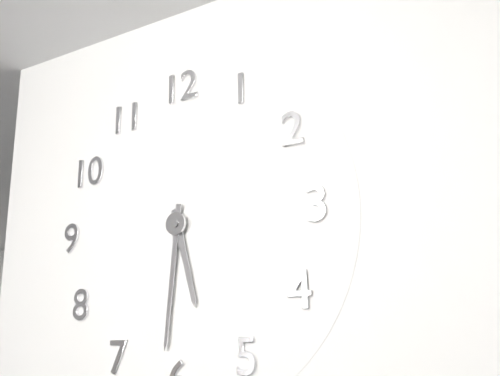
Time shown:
5.31
